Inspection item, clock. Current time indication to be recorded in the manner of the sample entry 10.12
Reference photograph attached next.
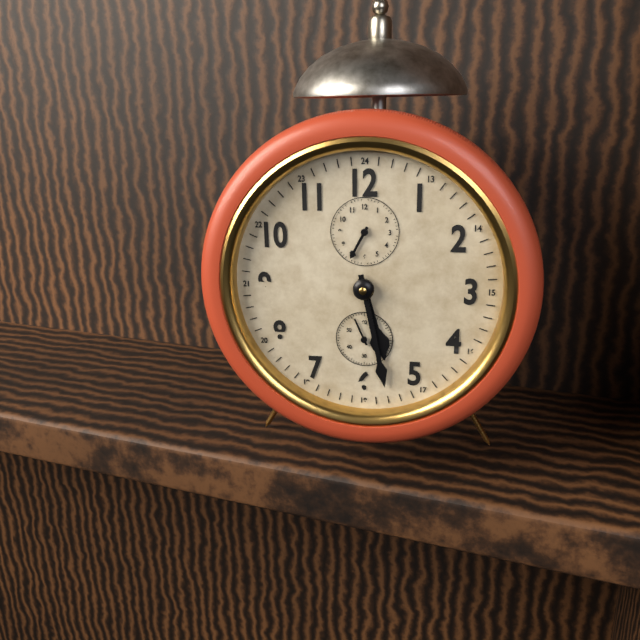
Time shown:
5.28
